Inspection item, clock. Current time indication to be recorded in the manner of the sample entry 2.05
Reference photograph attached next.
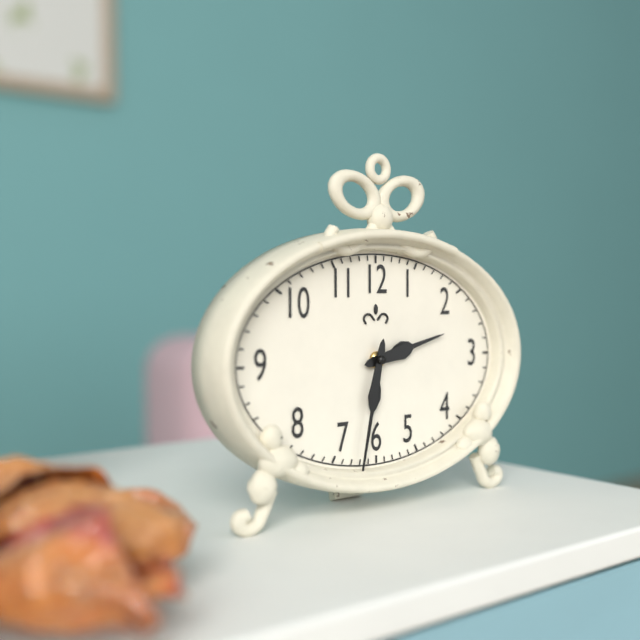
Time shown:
2.32
